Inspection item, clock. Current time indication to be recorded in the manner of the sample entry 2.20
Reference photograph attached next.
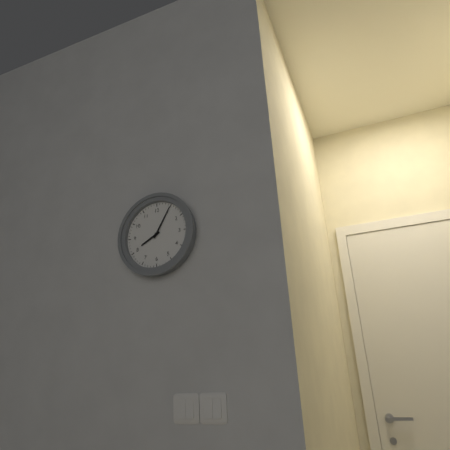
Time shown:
8.05
